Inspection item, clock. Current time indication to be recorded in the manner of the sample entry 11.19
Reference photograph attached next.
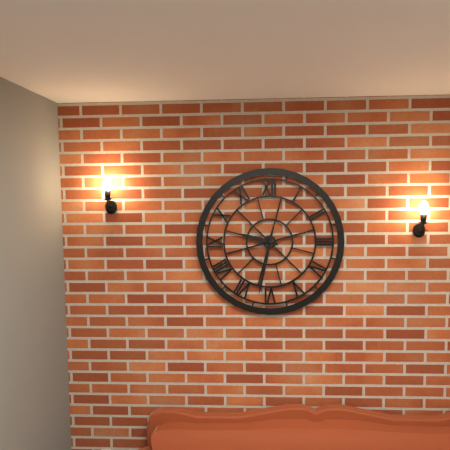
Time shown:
9.32
